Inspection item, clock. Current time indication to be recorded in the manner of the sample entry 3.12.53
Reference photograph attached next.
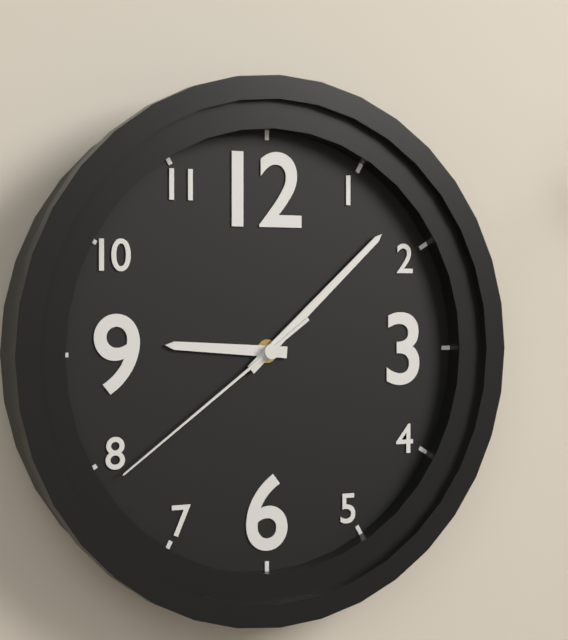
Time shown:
9.08.39
